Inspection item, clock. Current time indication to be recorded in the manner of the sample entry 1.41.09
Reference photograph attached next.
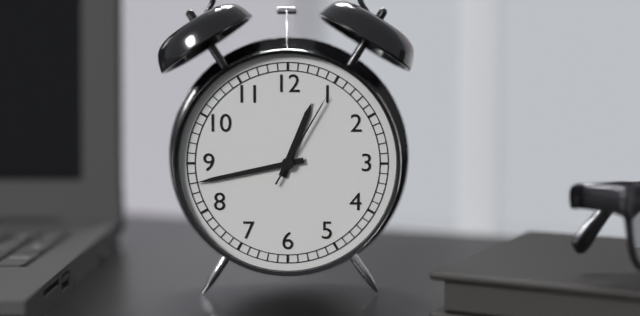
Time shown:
12.43.05
